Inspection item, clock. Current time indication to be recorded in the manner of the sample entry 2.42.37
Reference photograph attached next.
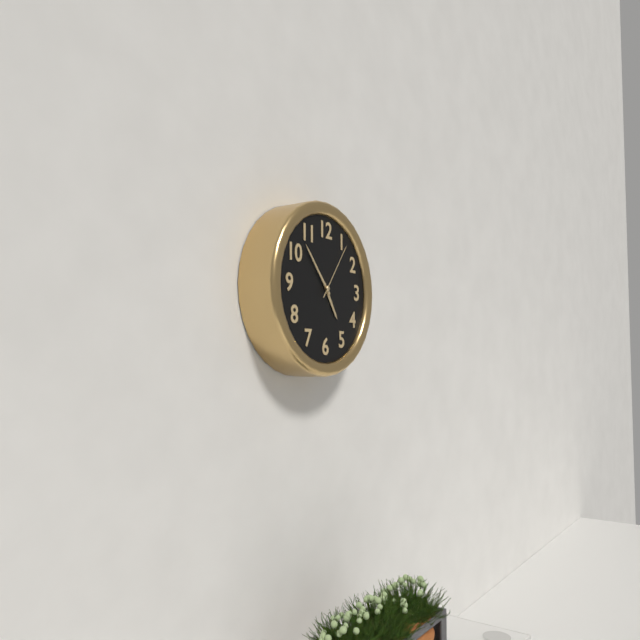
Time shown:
4.53.06
